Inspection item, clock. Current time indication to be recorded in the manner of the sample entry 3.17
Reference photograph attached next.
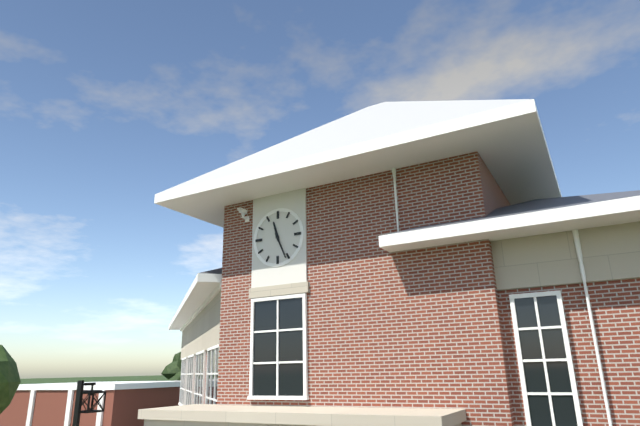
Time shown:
11.26
